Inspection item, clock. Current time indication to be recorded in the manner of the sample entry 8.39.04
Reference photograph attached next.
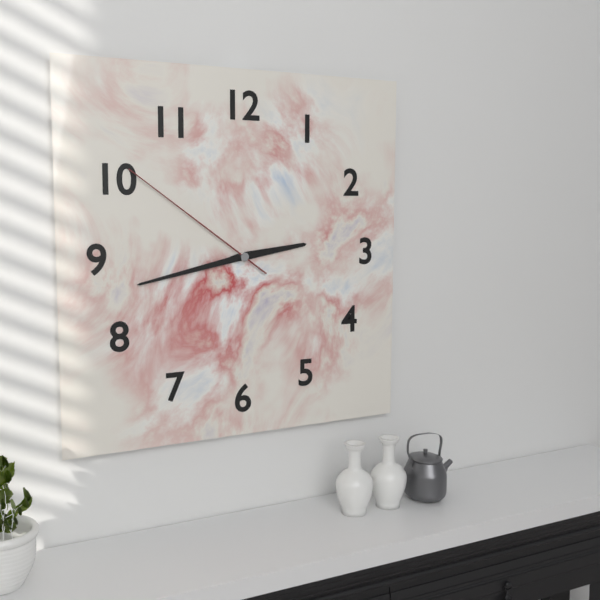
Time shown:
2.43.51
